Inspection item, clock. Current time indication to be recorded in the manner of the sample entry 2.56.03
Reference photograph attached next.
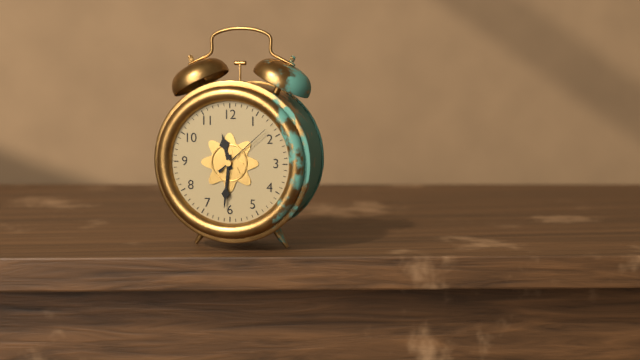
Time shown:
11.31.08
